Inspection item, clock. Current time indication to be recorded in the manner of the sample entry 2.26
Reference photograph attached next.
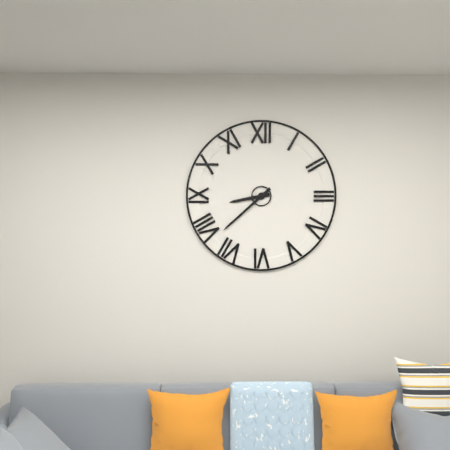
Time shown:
8.38
